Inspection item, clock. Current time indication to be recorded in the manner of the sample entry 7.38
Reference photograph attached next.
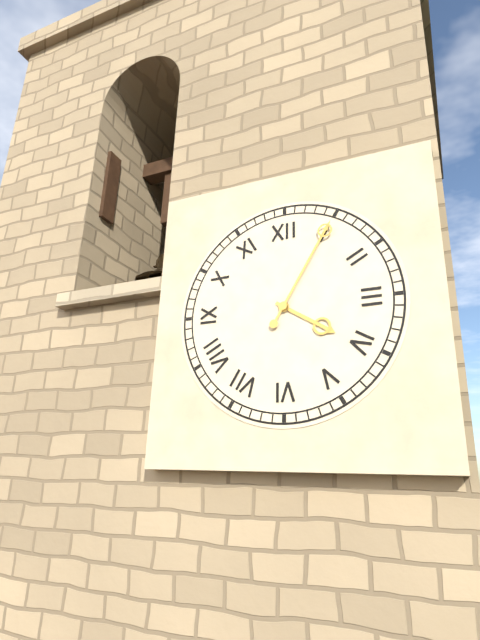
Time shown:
4.05
